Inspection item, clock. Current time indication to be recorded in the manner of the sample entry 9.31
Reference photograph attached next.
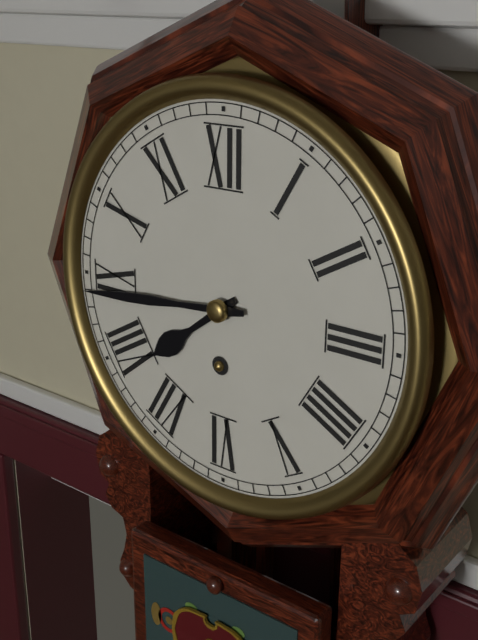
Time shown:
7.44
